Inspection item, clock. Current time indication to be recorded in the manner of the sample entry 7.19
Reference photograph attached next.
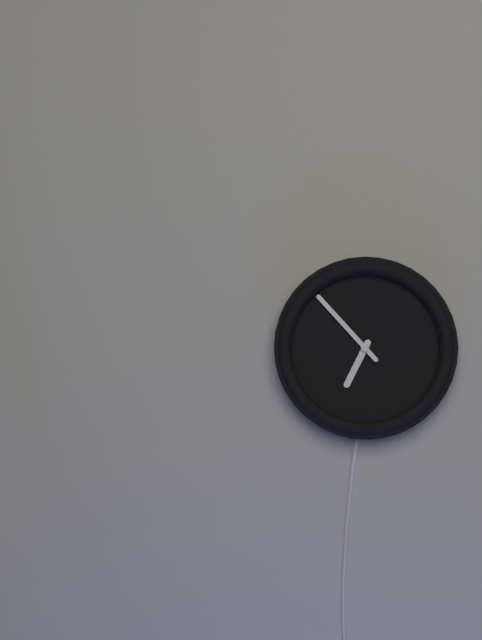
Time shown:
6.53
